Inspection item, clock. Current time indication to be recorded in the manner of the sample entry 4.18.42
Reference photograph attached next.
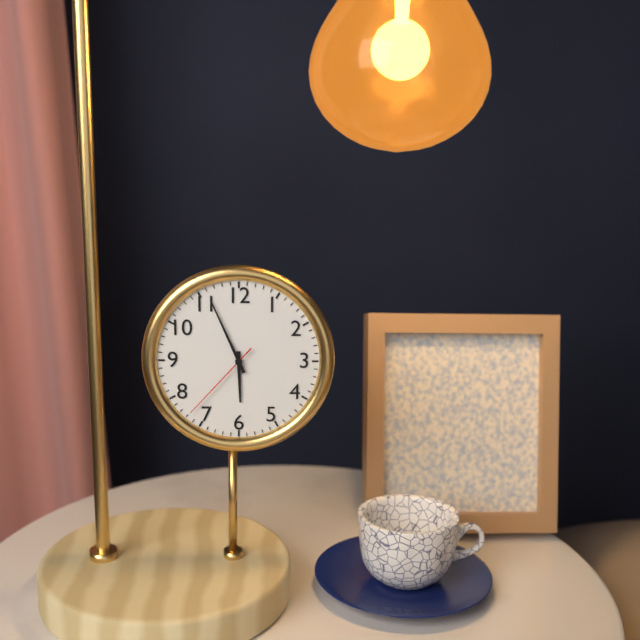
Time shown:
5.56.37
